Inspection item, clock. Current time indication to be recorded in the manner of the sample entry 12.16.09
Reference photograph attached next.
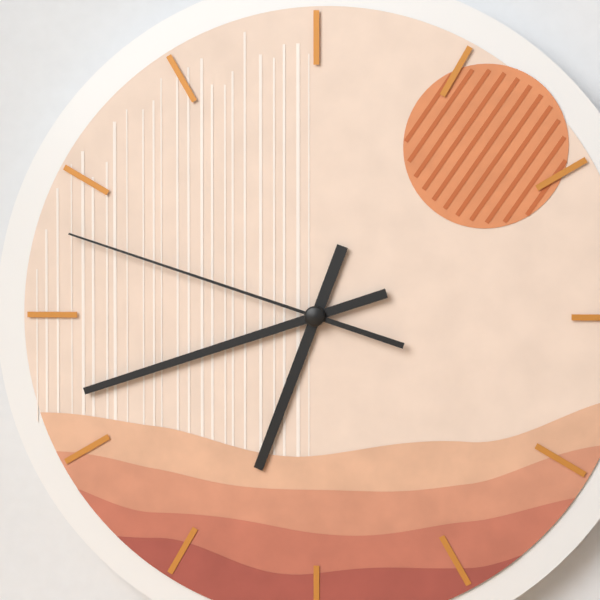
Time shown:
6.42.48
